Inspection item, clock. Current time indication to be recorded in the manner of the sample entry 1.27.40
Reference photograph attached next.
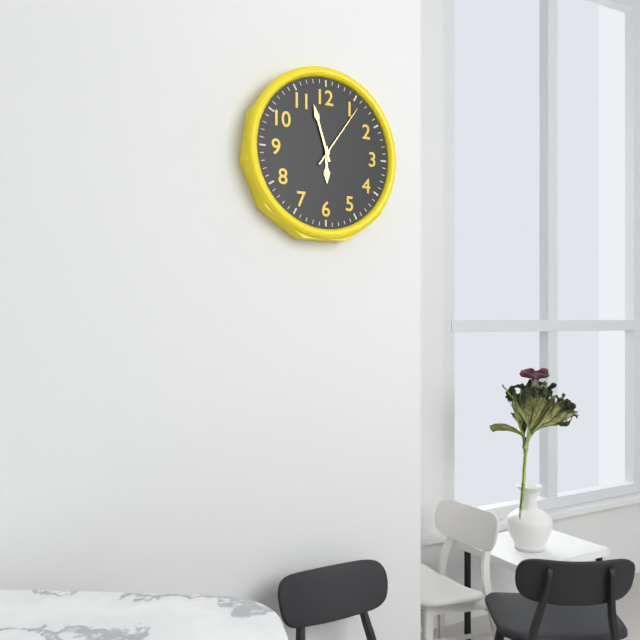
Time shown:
5.57.06
